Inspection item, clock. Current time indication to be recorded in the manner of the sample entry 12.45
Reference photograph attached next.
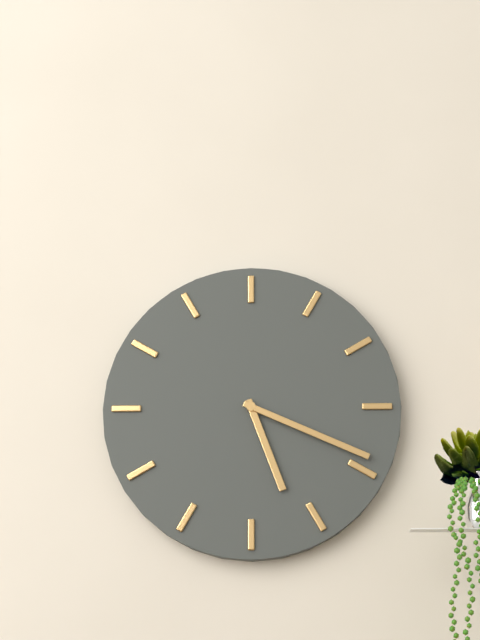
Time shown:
5.19
